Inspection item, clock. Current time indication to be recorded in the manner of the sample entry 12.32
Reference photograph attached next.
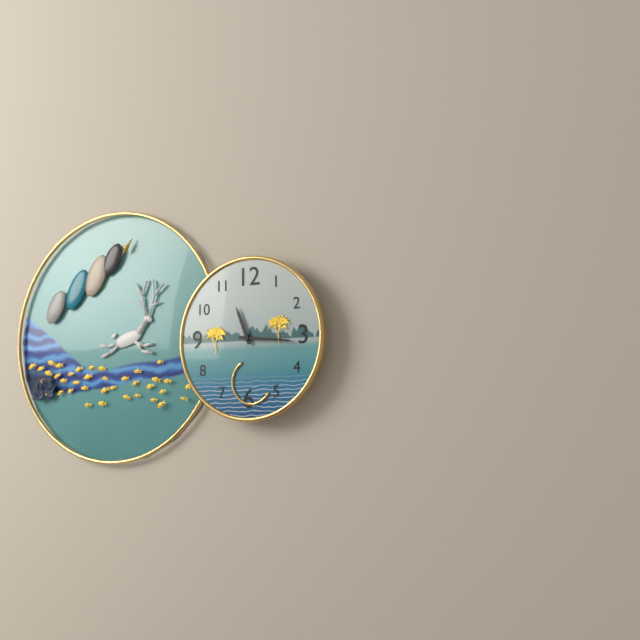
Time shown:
11.16
